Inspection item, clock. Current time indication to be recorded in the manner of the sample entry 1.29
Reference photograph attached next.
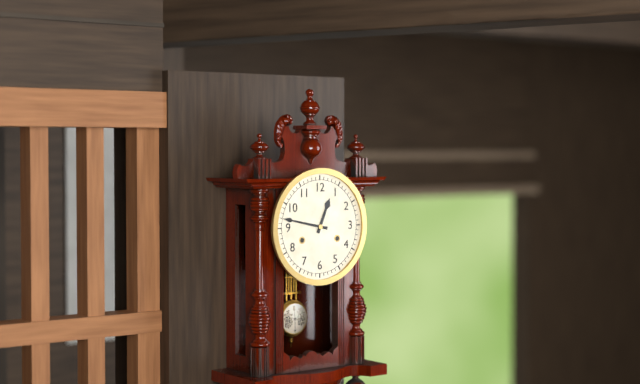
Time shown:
12.47
